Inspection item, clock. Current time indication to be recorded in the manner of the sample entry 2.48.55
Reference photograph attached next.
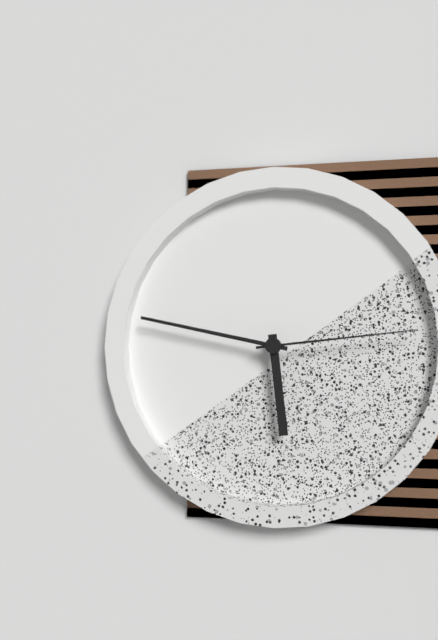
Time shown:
5.47.14
